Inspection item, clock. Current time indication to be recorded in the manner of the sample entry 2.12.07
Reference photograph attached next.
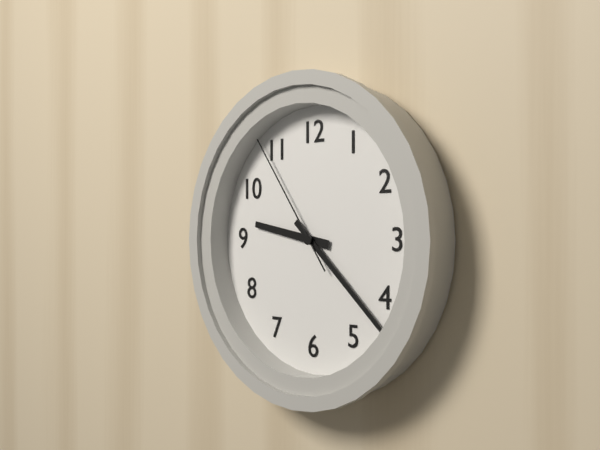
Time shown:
9.22.54
